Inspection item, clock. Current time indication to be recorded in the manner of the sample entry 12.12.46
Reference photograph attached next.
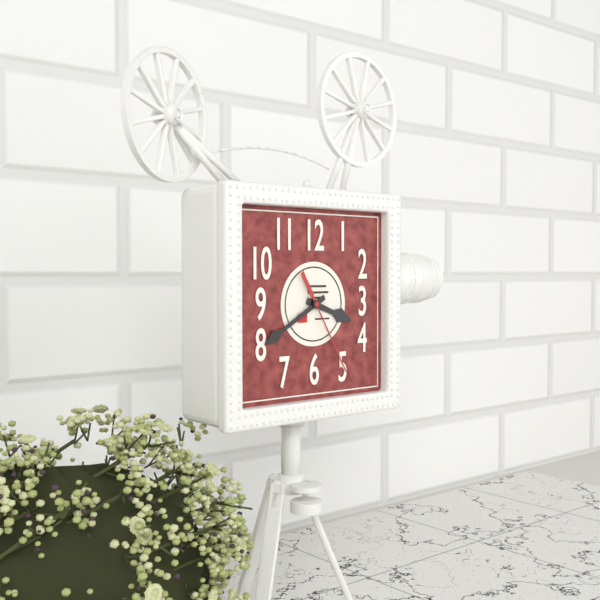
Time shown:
3.40.25
